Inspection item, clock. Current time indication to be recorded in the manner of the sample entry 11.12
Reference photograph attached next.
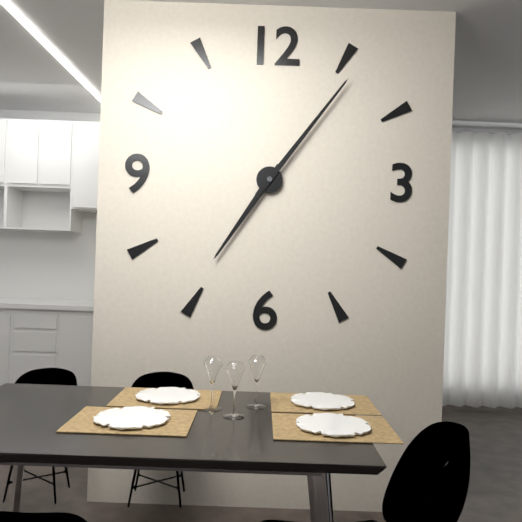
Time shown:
7.06
